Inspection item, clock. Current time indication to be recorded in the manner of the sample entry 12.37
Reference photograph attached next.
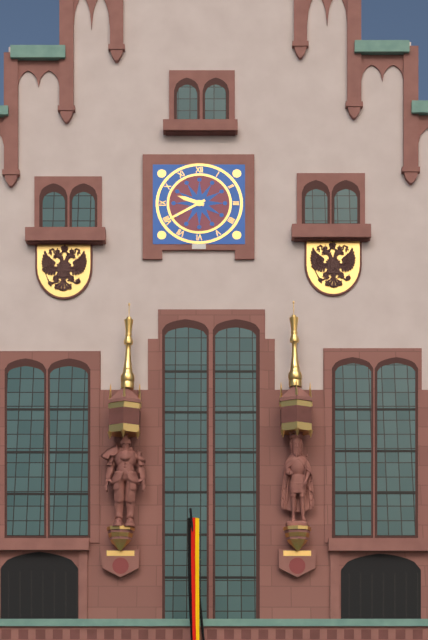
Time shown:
9.40
